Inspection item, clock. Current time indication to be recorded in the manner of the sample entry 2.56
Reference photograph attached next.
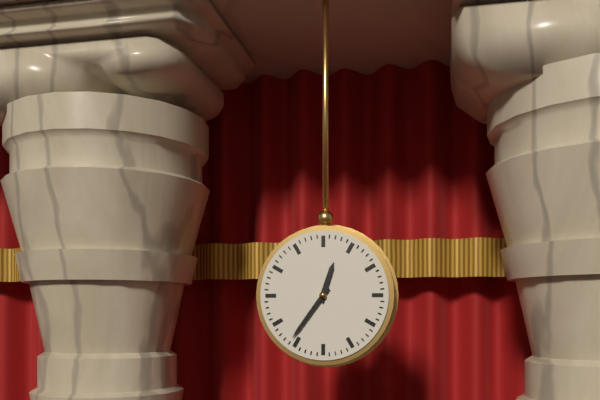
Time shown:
12.36
